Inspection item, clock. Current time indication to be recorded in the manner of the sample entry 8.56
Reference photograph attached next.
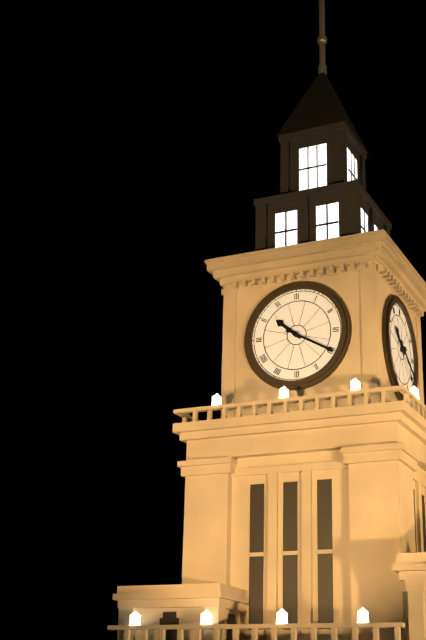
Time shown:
10.20
